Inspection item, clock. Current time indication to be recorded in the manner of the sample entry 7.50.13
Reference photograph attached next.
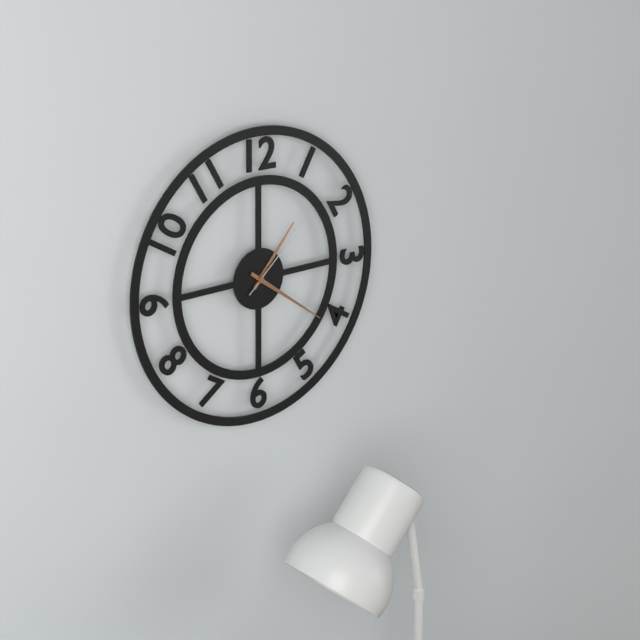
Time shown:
1.21.08
